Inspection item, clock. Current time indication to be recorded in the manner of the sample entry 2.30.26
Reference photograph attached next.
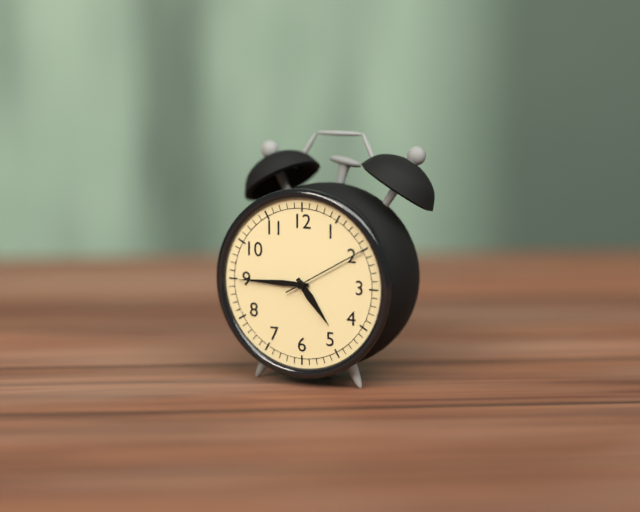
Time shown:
4.45.10
